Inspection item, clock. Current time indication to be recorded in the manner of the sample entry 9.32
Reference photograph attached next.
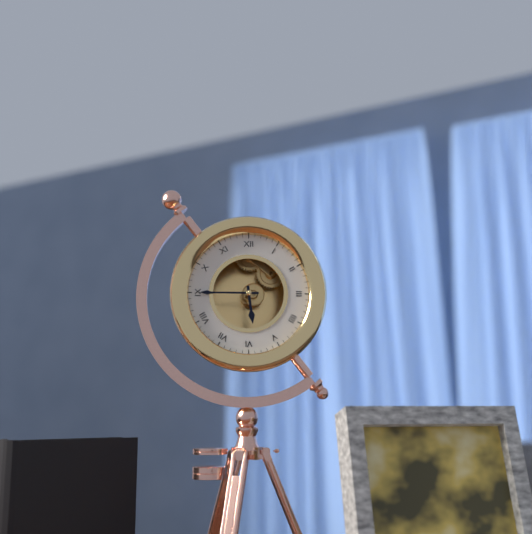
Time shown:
5.45
